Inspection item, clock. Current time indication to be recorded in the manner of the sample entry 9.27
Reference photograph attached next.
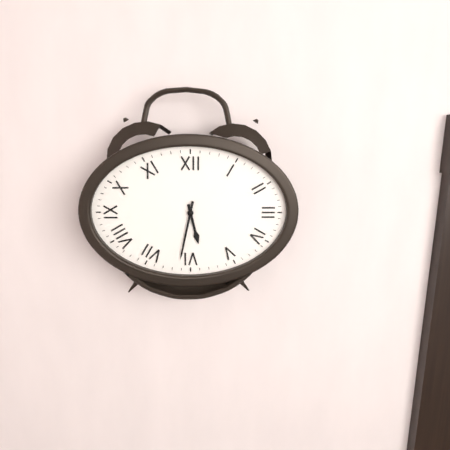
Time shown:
5.32
